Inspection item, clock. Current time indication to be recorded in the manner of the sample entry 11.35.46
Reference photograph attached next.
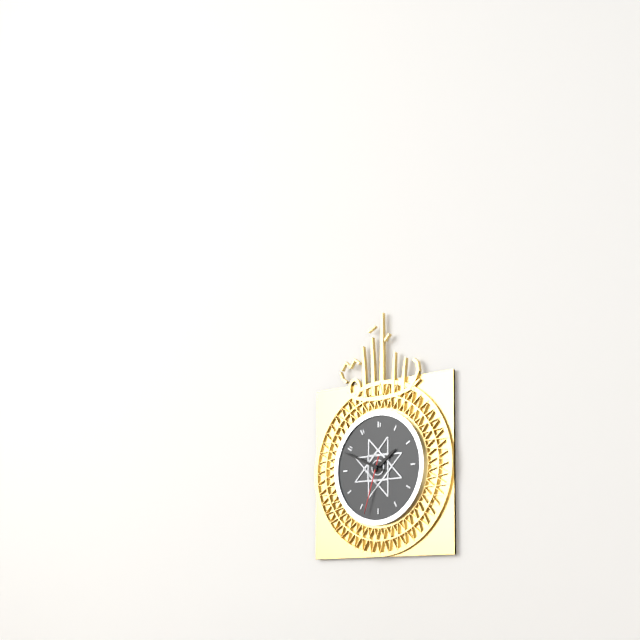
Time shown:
1.49.33
